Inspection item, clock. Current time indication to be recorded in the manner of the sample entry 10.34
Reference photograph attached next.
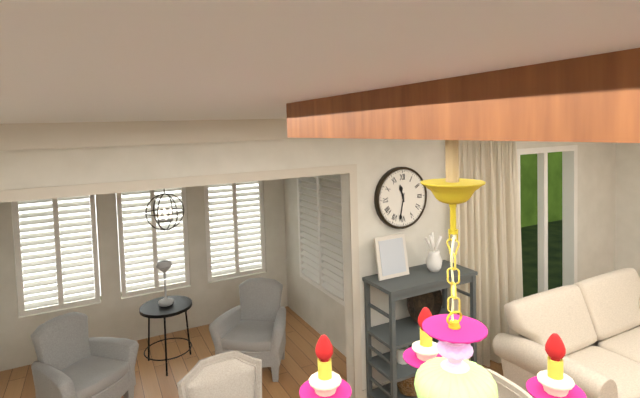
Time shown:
11.32
